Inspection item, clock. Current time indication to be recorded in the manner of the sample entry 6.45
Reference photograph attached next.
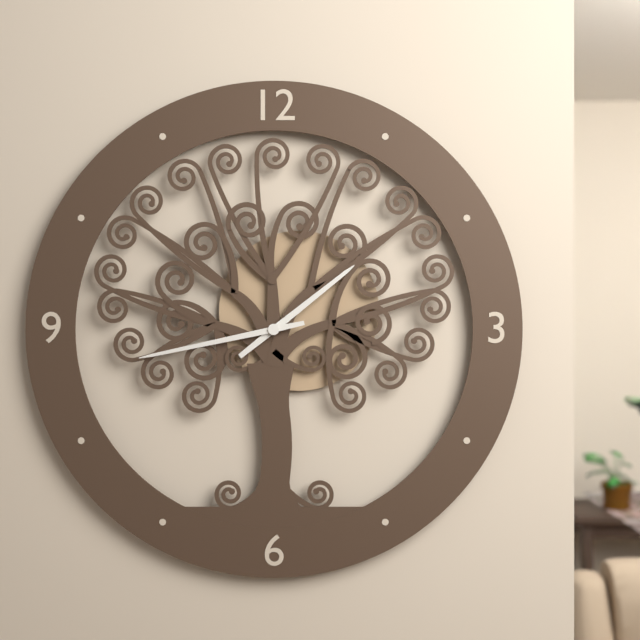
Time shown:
1.43
